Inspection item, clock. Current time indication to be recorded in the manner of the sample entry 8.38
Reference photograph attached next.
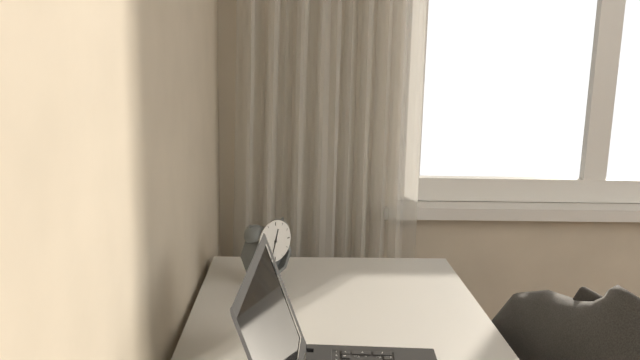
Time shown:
12.33
